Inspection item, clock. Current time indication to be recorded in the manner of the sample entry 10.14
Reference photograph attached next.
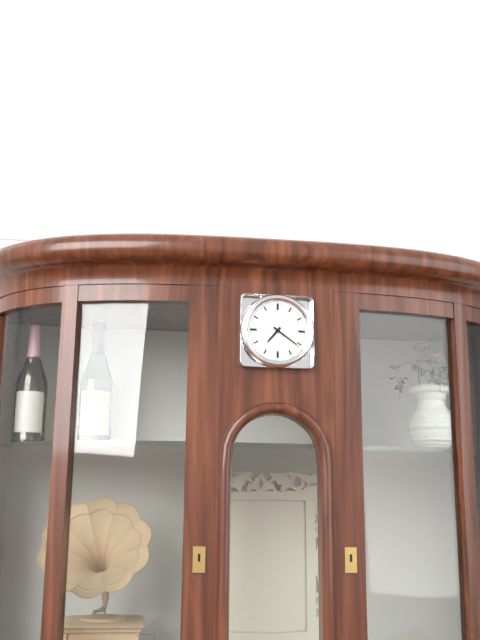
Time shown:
7.21
